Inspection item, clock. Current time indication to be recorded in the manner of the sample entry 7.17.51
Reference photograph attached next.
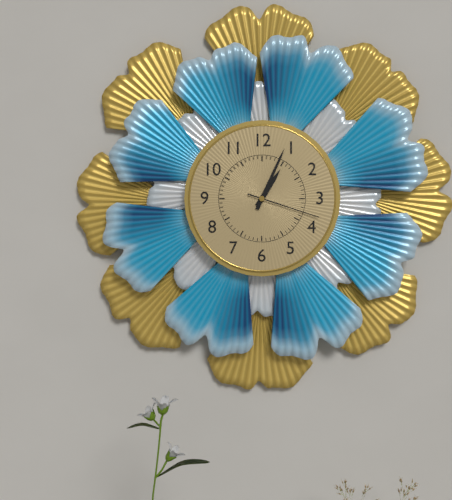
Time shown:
1.04.18
